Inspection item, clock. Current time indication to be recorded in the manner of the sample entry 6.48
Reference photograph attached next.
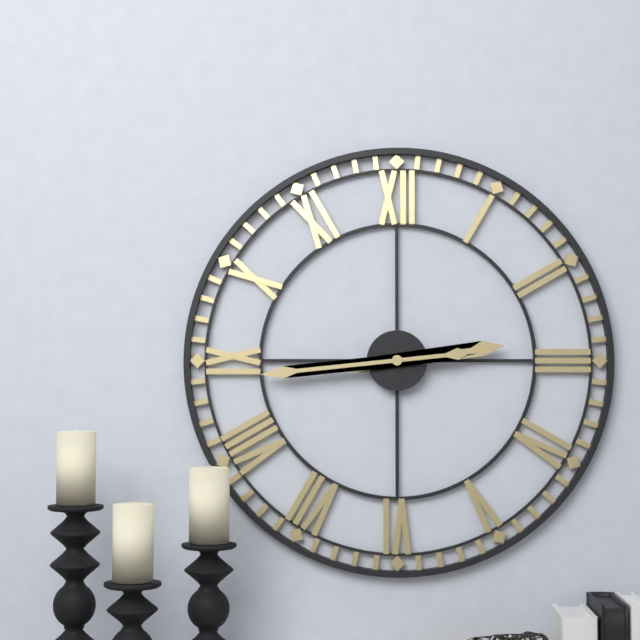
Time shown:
2.44
